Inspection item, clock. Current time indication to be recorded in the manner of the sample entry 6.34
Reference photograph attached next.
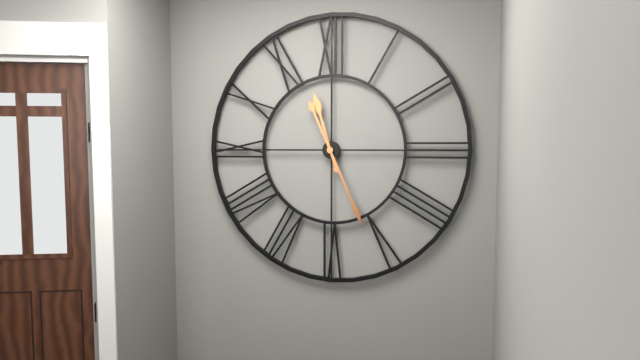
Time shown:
11.26
